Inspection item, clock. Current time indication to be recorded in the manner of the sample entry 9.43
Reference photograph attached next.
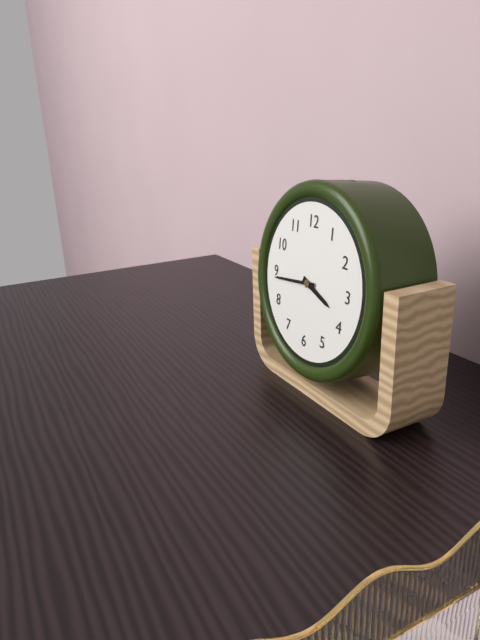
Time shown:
3.44
